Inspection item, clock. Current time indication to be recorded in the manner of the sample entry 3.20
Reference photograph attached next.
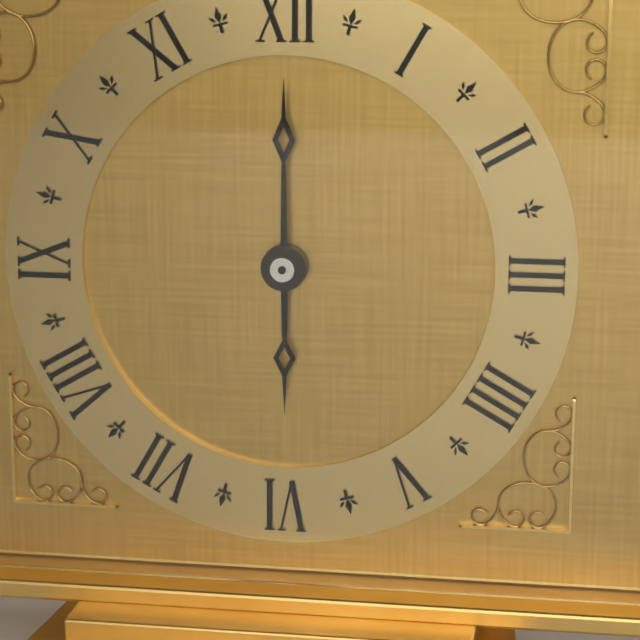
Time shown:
6.00
